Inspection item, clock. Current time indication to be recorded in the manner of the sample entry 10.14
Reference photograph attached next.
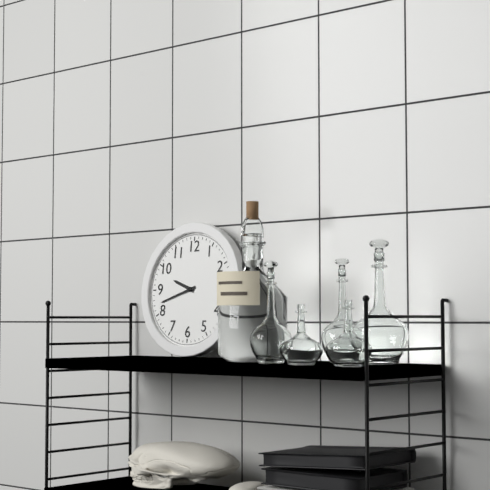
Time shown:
9.42
